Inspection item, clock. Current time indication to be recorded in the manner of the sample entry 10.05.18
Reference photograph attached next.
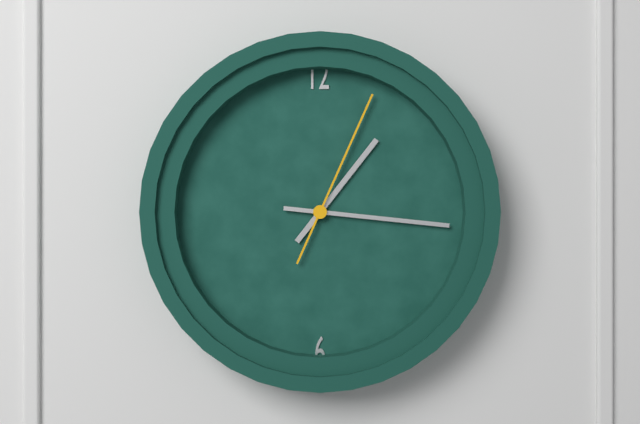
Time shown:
1.16.04
